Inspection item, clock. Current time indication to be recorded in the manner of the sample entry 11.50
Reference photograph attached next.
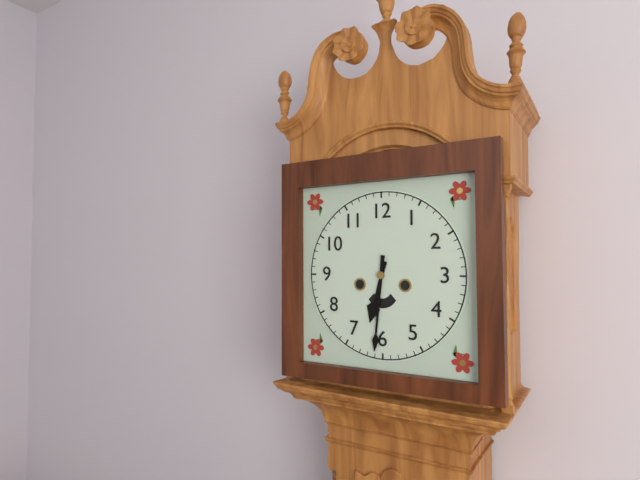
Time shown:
6.31
